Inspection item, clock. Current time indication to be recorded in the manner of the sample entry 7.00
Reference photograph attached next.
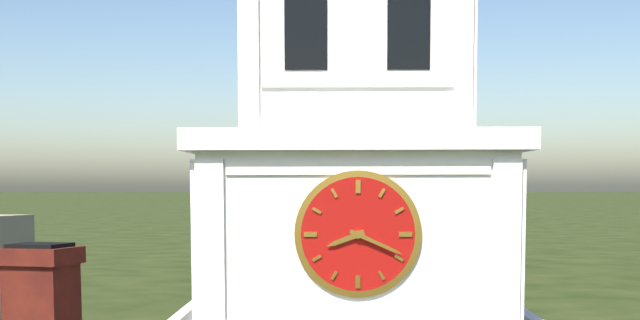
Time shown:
8.19
